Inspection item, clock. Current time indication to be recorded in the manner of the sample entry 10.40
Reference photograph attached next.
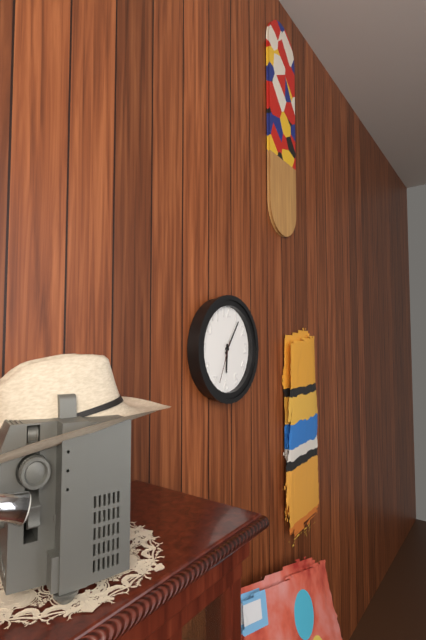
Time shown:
6.06
